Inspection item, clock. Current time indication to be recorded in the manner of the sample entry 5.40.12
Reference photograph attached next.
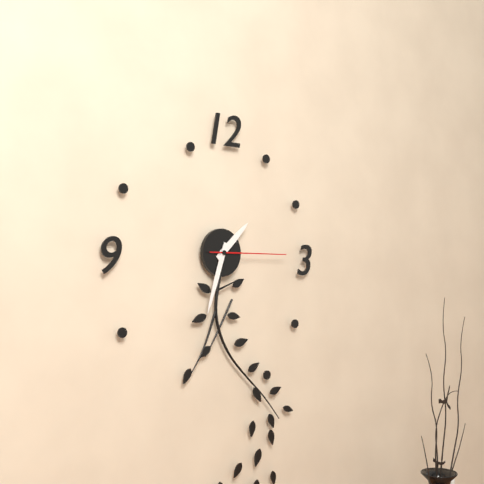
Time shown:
1.33.15
